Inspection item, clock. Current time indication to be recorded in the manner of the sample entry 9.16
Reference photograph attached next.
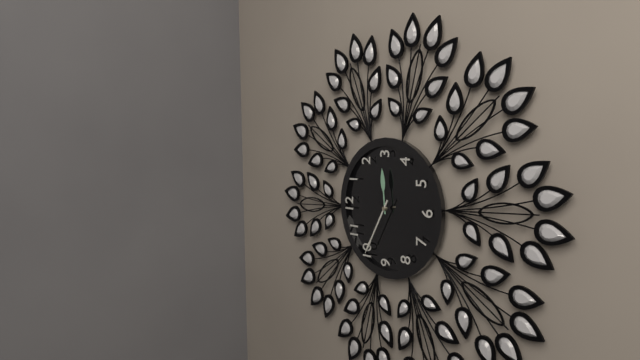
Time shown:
2.50
